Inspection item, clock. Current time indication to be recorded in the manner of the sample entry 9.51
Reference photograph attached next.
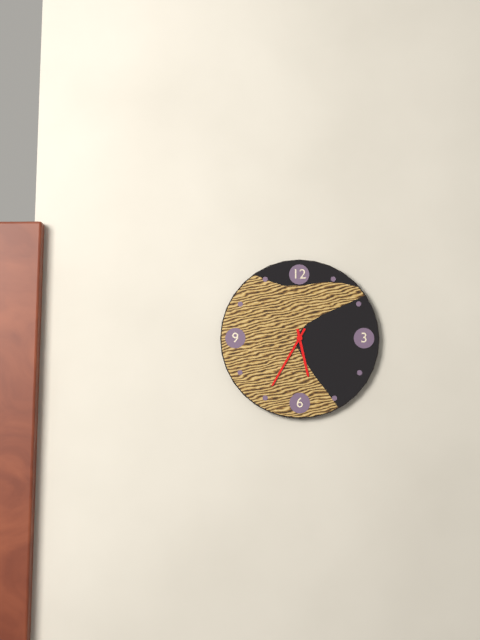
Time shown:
5.35
